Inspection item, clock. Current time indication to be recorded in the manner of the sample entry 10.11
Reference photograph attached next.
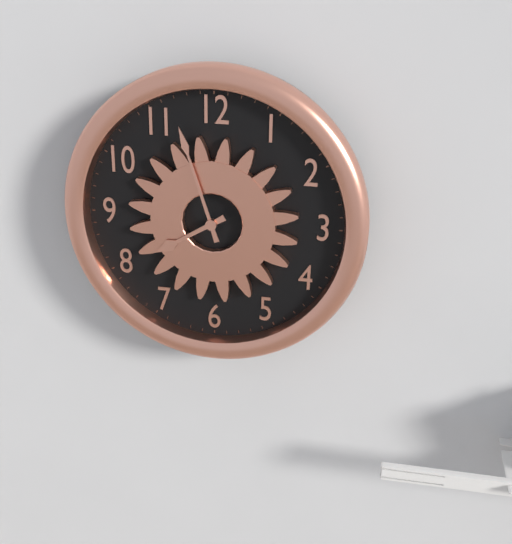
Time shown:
7.57
